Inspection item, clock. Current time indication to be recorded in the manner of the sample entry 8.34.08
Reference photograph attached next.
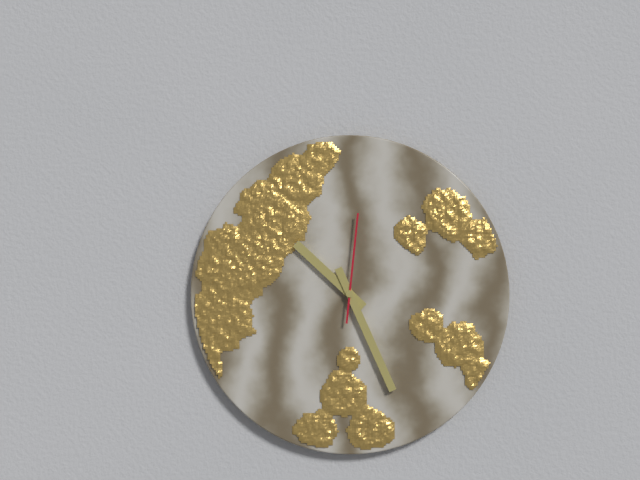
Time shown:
10.26.01
